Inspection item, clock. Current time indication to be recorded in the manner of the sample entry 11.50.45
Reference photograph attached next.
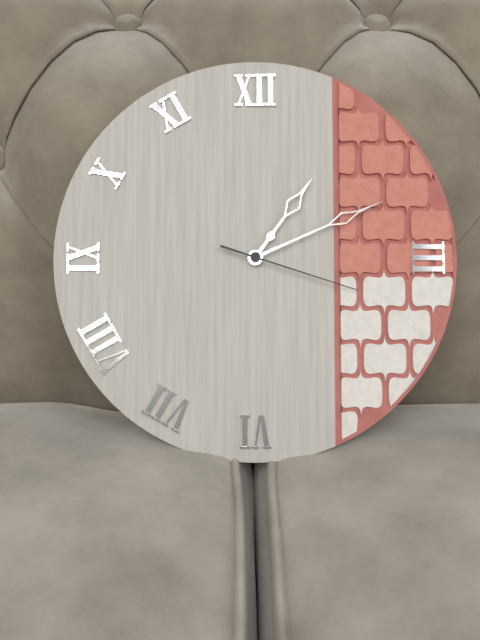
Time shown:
1.11.18
